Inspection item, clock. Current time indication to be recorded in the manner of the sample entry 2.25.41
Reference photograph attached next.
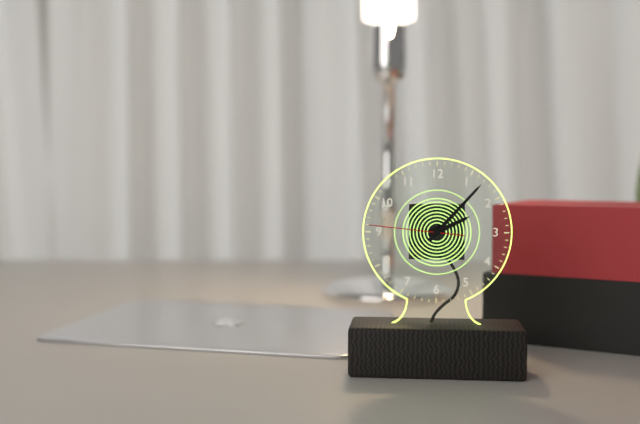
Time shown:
2.07.46
